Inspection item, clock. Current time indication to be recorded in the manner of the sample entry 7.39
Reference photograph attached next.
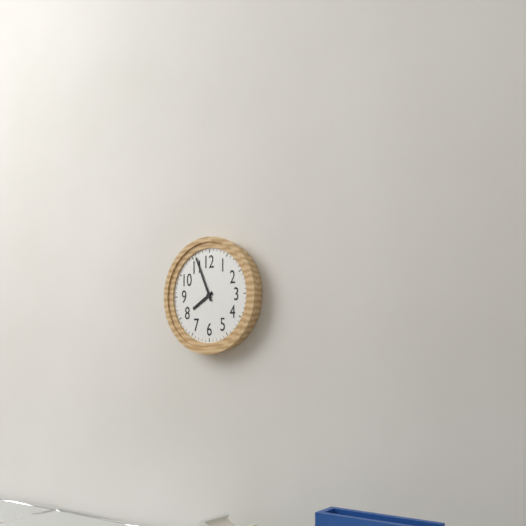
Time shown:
7.56
